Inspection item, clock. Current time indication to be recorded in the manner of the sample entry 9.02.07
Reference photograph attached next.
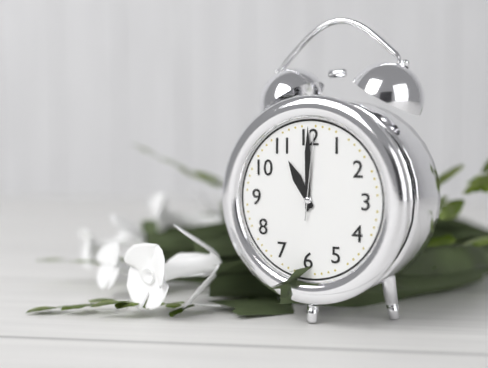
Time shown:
11.00.01
